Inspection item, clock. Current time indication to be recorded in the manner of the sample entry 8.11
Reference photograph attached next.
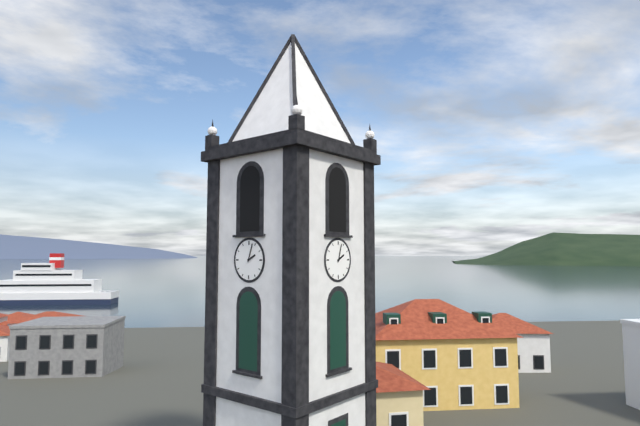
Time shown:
2.03
